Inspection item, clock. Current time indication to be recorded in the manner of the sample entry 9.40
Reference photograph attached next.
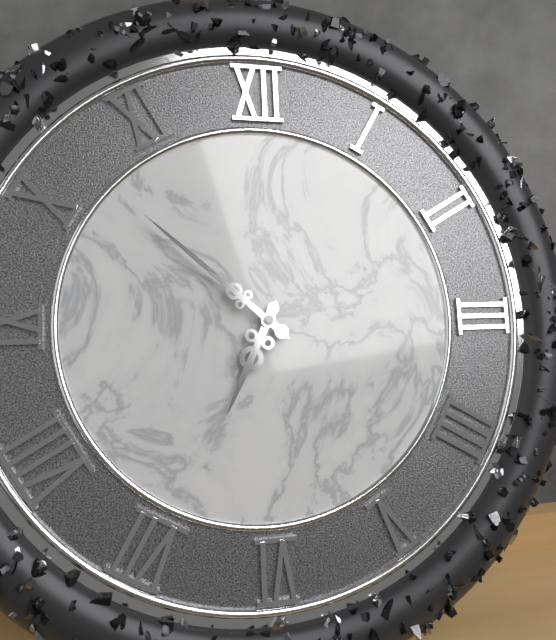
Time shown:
6.52
